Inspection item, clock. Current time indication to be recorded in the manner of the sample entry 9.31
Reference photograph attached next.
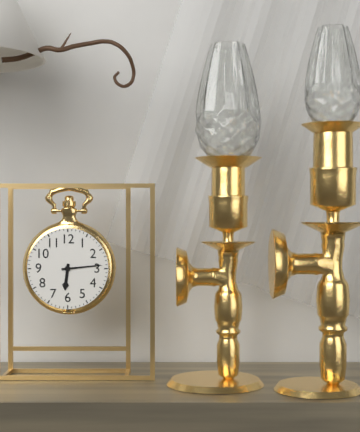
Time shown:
6.14
